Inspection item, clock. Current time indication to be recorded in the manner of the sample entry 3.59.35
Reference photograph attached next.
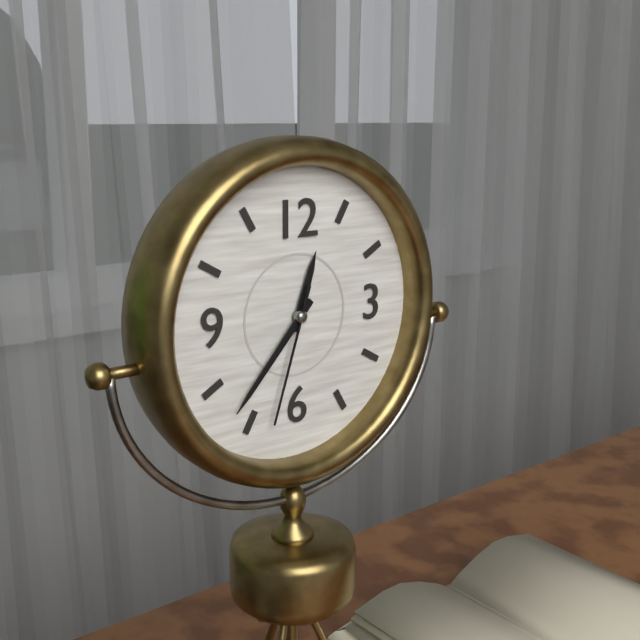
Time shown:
12.37.33
